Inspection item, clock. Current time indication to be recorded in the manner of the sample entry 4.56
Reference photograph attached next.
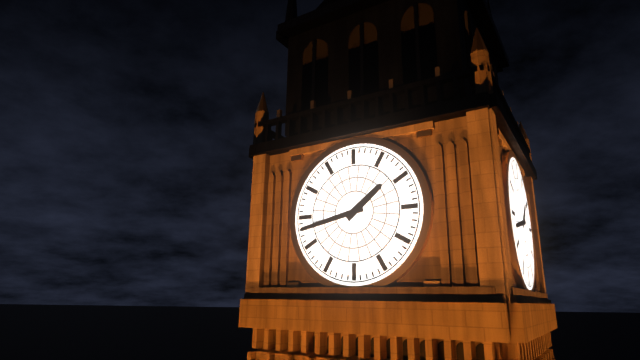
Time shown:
1.43
